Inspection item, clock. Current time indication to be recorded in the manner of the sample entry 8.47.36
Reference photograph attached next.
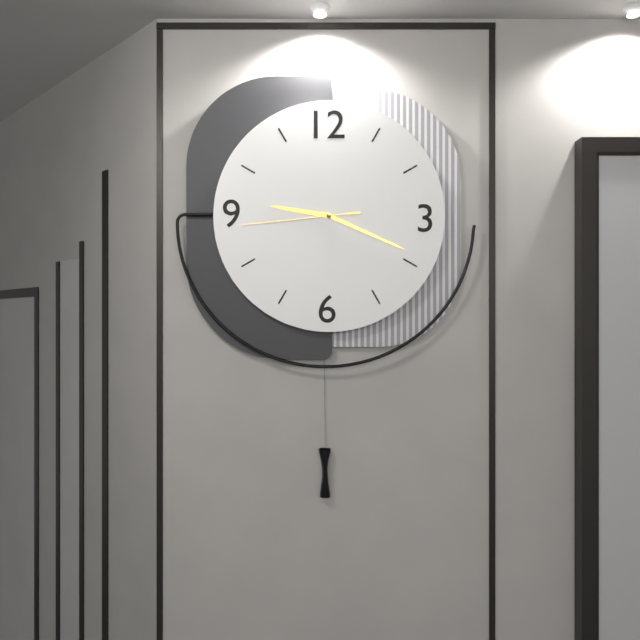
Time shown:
9.19.44
